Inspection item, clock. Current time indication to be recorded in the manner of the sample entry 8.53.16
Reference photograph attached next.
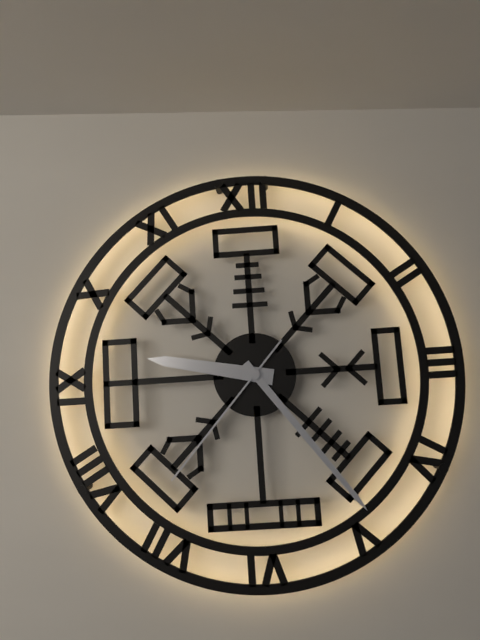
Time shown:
9.24.37
